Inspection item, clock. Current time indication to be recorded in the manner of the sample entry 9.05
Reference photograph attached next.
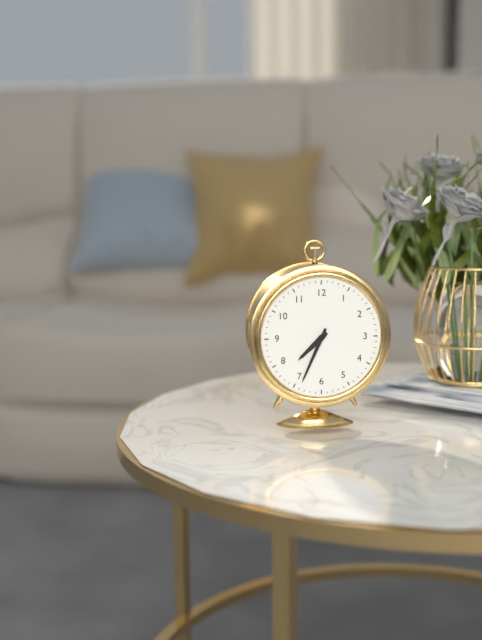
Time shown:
7.34
